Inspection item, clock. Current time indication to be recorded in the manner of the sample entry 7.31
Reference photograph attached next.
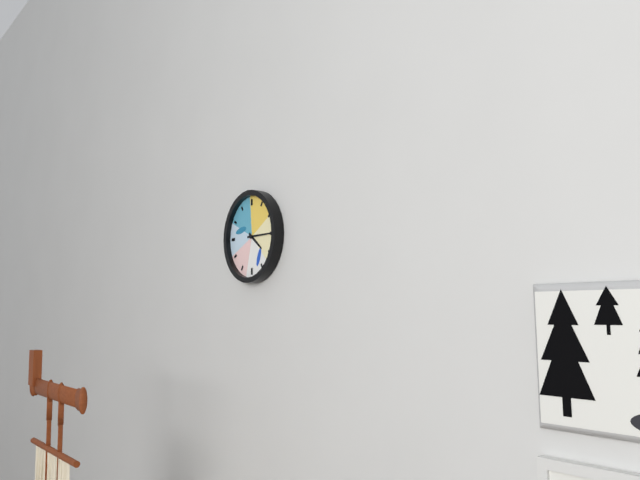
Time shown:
4.15
